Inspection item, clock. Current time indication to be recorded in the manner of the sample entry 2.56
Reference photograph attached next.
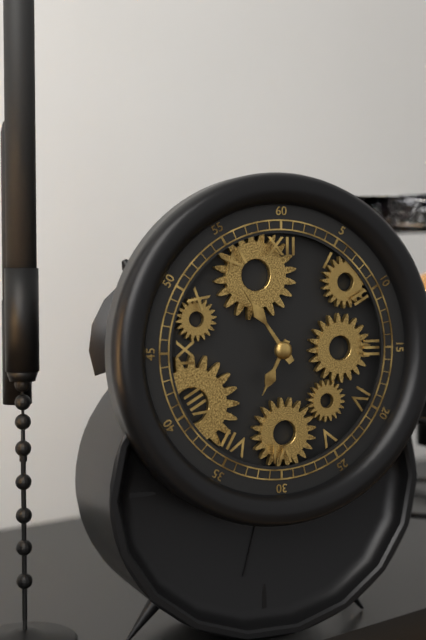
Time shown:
6.54
